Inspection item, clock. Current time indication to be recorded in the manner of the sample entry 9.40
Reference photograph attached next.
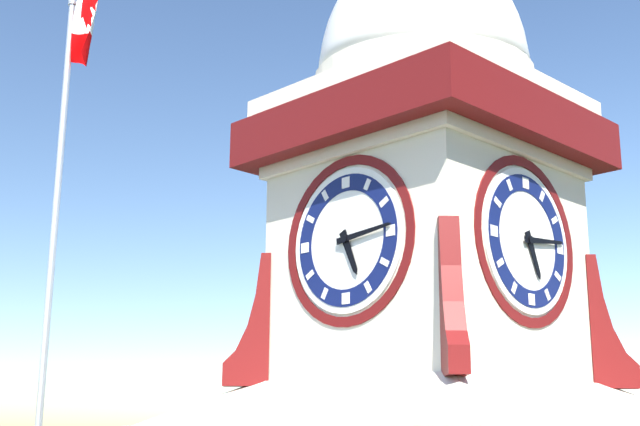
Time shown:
5.14
